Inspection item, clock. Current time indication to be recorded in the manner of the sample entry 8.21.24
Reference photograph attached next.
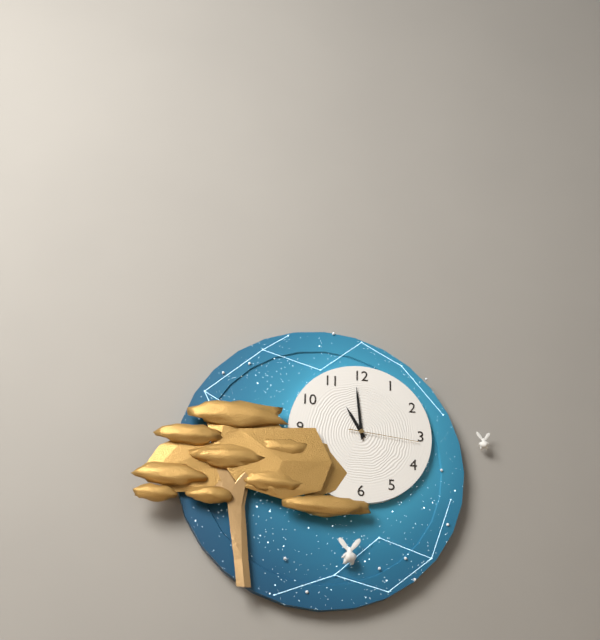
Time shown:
10.59.16
